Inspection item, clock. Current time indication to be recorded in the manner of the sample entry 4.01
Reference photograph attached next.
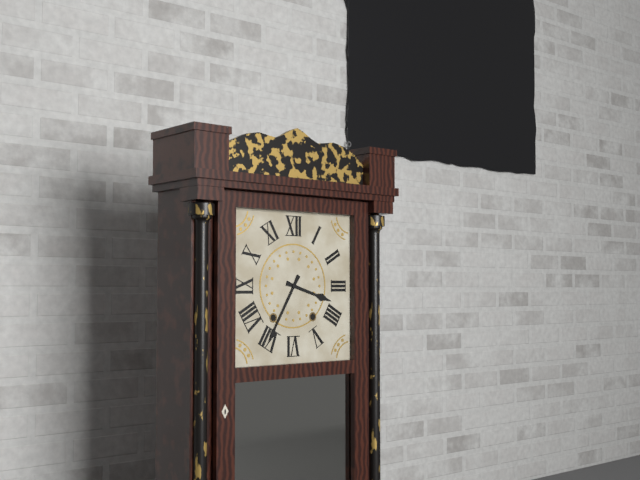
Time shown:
3.35
